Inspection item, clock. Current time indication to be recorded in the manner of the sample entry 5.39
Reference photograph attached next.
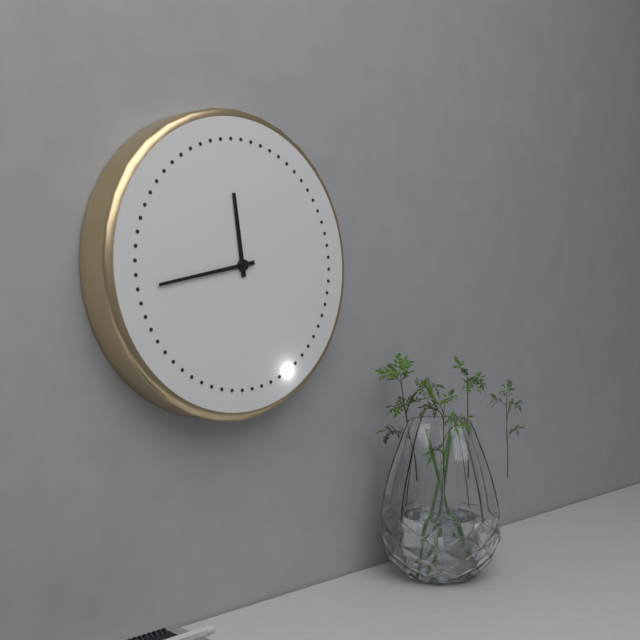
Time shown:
11.43
